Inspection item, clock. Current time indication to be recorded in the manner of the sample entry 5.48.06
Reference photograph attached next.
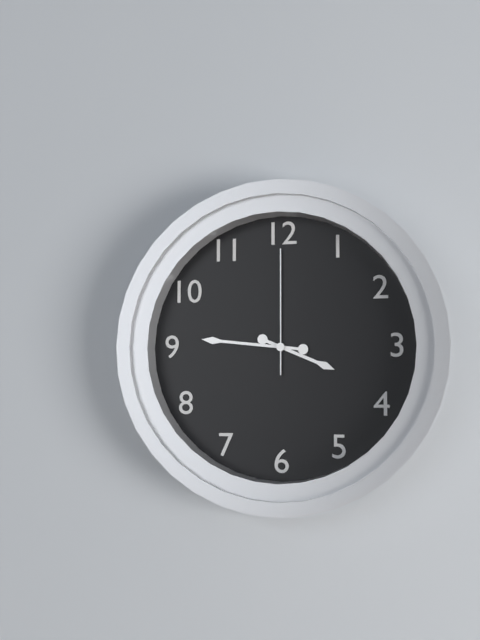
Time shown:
3.46.00
